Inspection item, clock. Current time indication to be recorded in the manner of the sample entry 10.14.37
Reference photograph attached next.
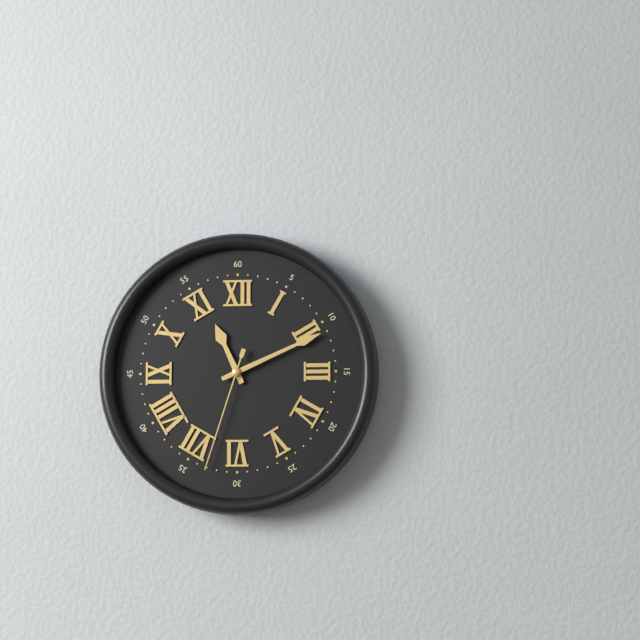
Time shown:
11.11.33
